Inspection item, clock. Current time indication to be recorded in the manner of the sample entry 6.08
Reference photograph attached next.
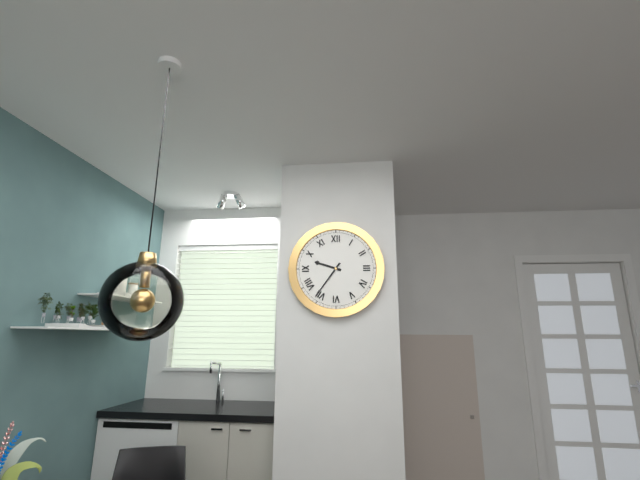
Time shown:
9.36
